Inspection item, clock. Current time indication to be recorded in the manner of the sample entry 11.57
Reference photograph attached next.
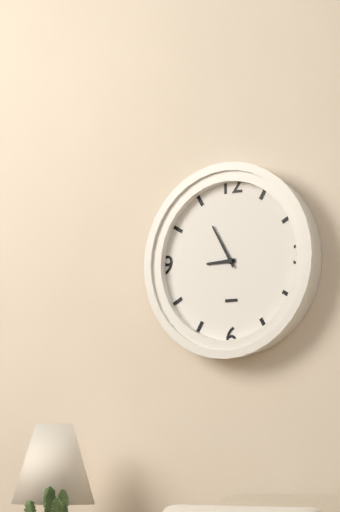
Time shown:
8.55
